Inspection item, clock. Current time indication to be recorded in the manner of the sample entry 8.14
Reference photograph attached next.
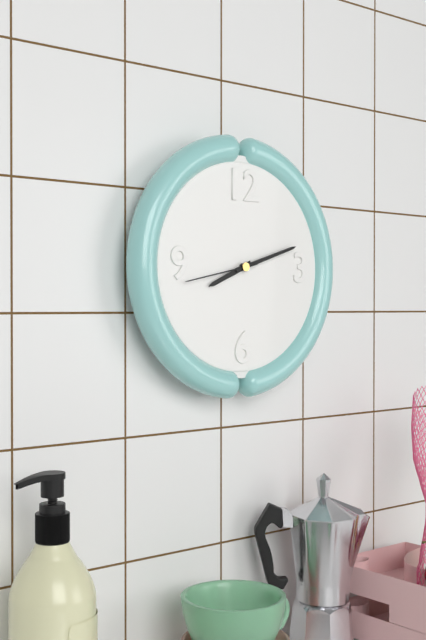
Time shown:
8.12
